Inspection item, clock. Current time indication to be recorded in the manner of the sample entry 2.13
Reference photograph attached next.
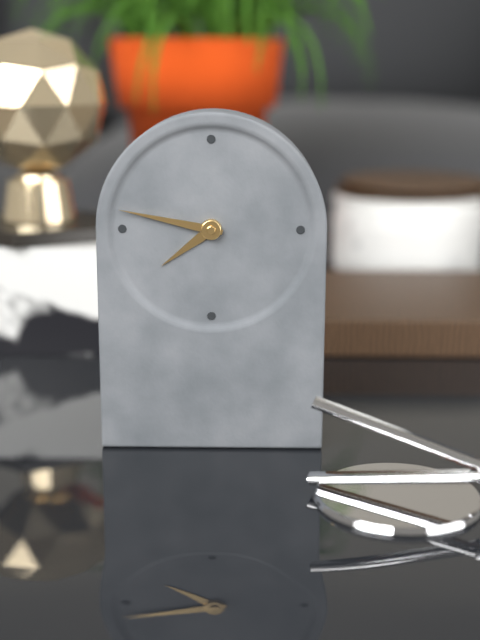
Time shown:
7.47
